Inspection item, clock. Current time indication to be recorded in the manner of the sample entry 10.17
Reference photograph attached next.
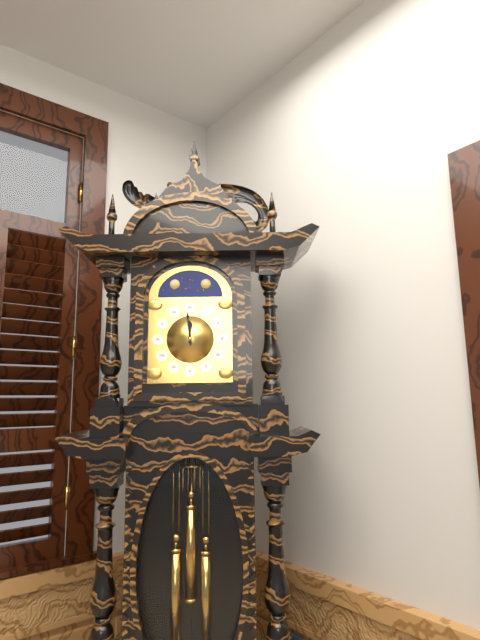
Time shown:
11.59
